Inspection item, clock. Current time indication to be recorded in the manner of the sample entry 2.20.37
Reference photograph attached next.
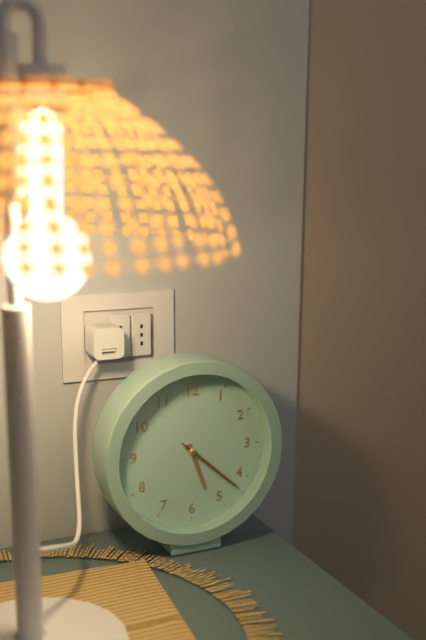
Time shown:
5.22.22
